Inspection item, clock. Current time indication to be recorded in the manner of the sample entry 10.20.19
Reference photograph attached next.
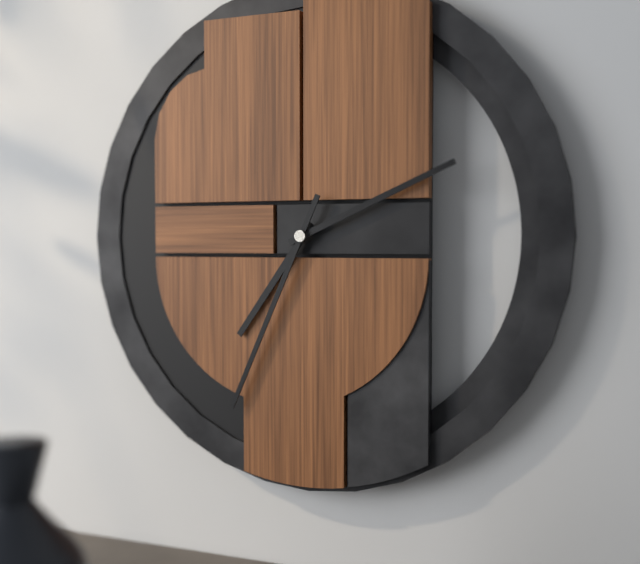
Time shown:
7.11.34
